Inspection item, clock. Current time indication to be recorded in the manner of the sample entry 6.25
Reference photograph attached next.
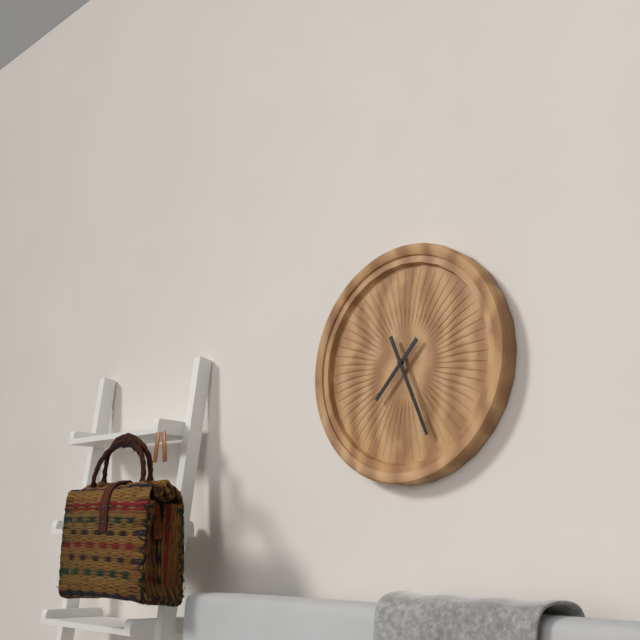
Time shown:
7.26
